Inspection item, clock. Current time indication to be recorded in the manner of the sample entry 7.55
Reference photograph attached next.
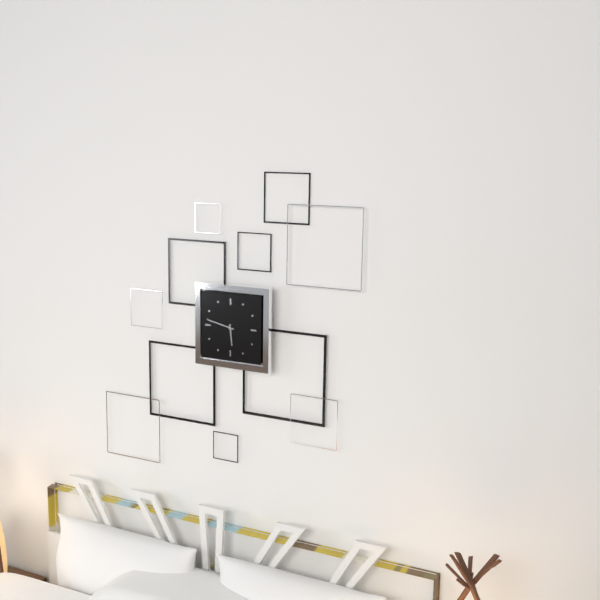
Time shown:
5.47
